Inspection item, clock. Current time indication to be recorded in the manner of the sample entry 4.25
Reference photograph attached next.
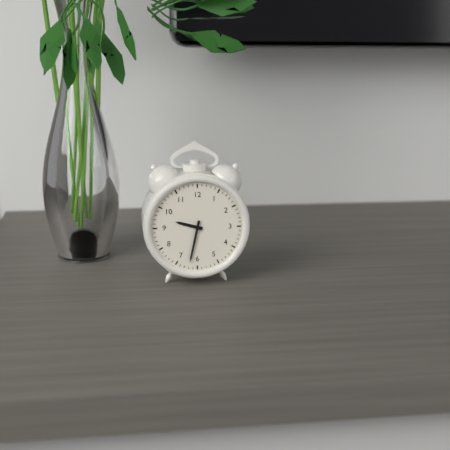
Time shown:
9.32
